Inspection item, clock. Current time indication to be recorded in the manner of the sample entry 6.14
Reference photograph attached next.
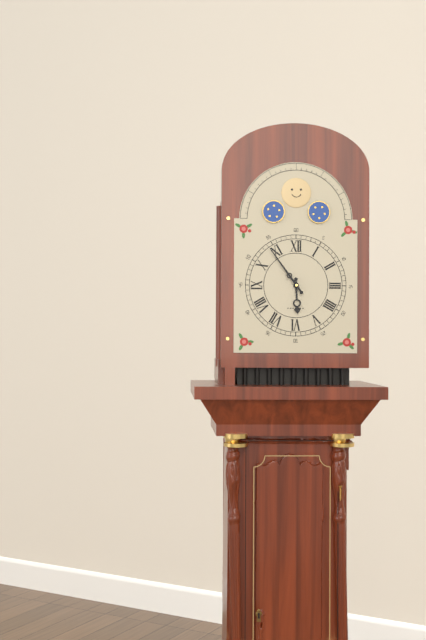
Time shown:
5.54
